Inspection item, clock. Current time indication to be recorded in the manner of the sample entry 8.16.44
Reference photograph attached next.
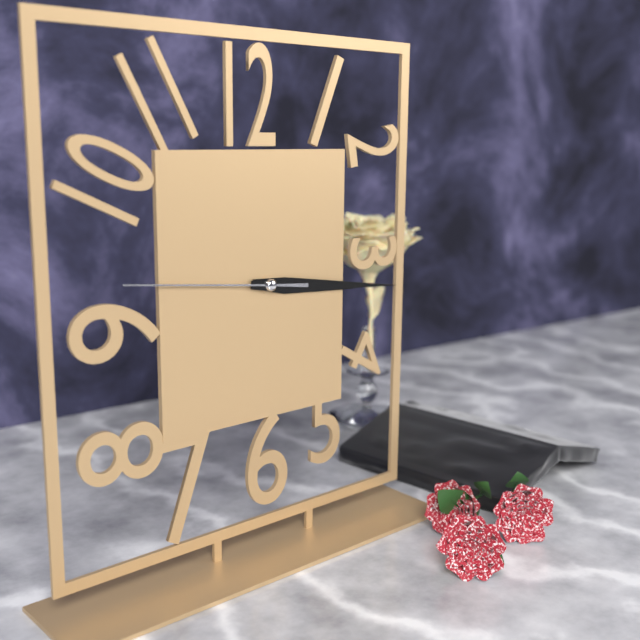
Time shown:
3.16.46
